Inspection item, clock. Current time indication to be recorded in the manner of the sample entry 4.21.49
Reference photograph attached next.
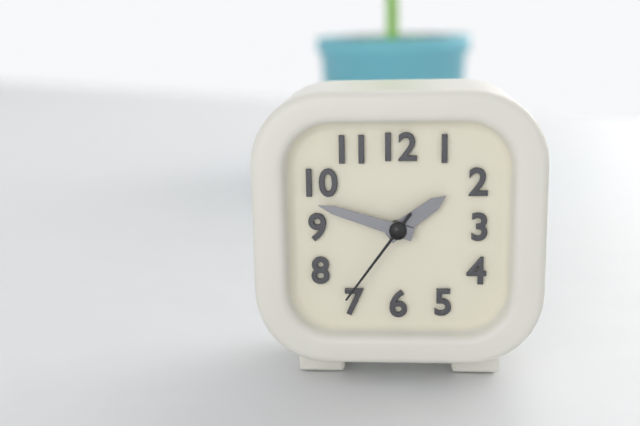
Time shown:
1.48.36
